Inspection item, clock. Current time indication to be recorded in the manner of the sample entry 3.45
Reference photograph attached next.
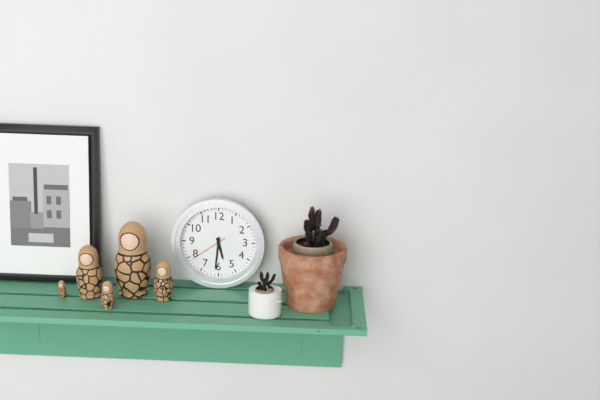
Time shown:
5.31
